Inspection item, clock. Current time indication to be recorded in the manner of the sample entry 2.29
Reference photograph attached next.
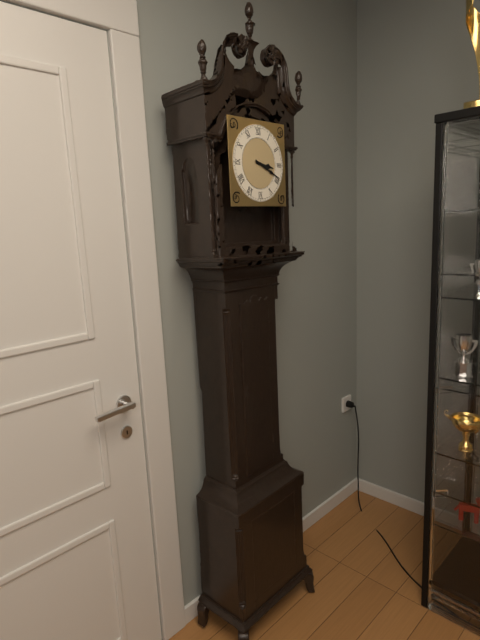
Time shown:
3.19
